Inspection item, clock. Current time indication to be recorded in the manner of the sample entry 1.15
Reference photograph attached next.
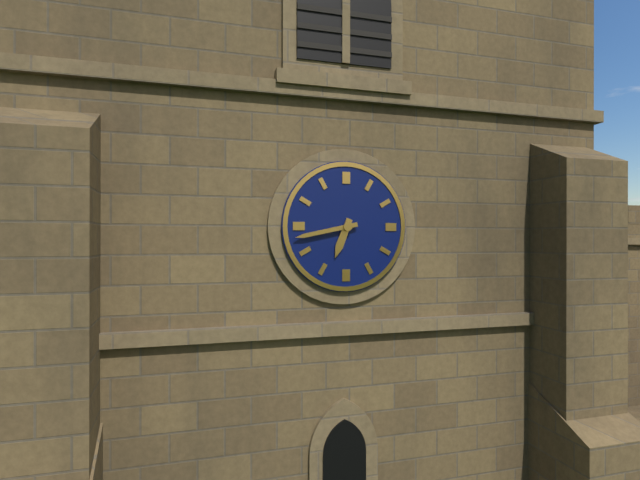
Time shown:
6.43
